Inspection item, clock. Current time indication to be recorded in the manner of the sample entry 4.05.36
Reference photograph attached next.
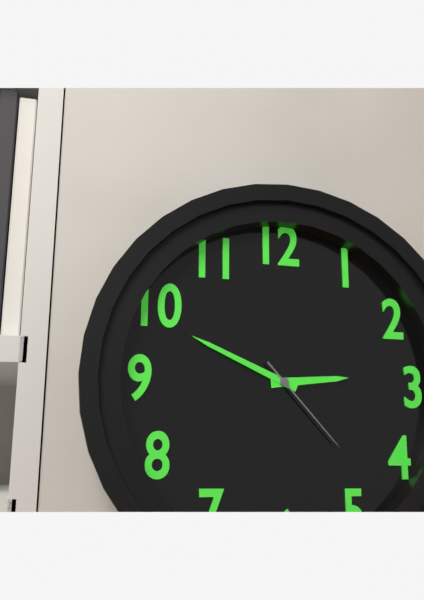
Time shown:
2.49.23
